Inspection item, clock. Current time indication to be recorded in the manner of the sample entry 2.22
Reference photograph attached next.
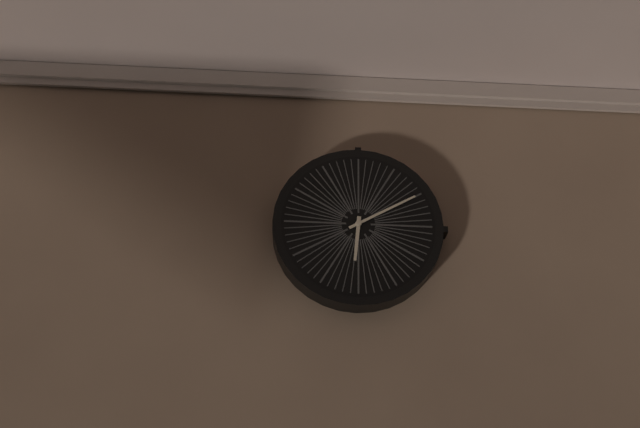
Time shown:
6.10
